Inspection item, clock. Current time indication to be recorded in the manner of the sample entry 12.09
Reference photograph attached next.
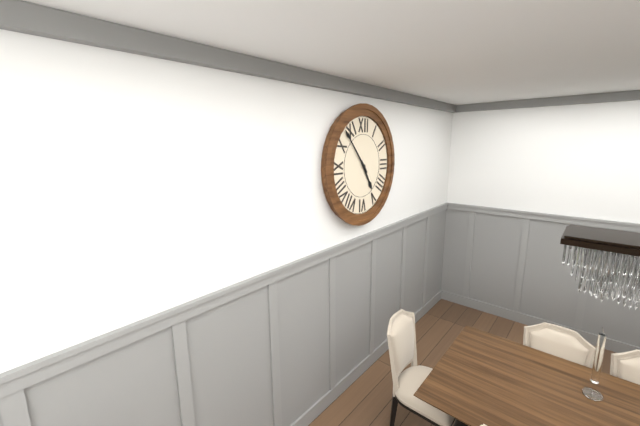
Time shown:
4.53
